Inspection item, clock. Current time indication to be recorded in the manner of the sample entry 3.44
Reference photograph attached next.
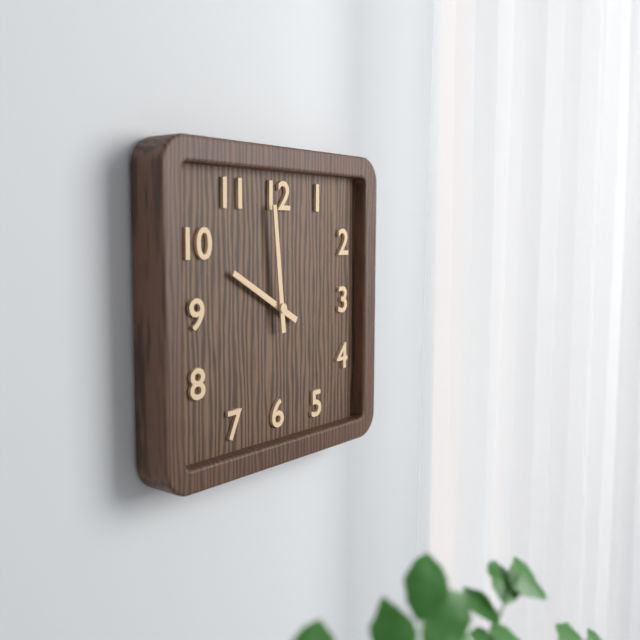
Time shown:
9.59
